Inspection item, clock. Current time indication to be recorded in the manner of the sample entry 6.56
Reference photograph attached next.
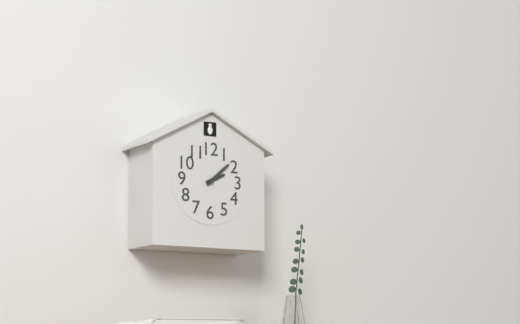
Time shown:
2.08
